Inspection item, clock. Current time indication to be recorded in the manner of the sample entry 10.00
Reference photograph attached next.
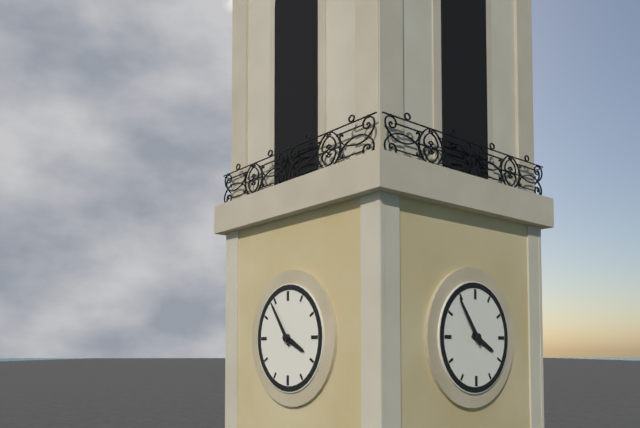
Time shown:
3.54
